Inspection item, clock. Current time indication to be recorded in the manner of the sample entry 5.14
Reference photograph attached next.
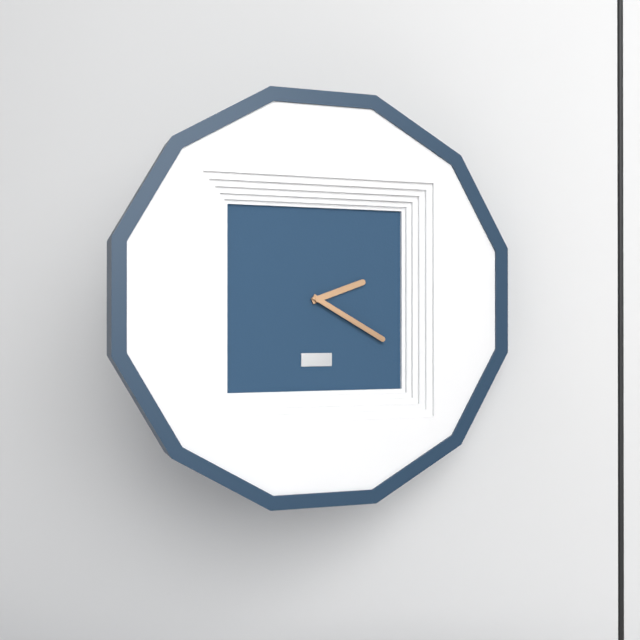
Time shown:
2.20
